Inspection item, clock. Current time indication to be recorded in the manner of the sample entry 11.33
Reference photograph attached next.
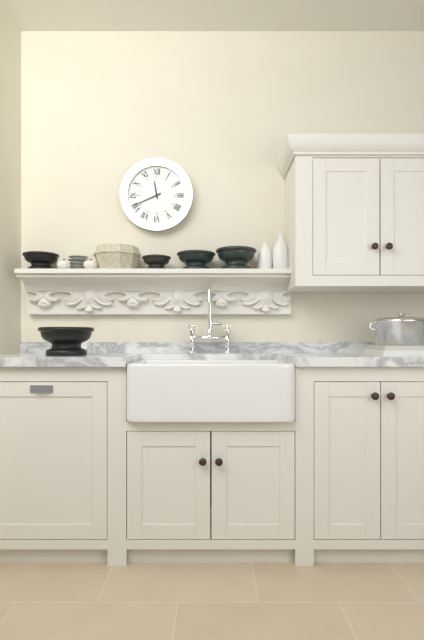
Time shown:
11.41
